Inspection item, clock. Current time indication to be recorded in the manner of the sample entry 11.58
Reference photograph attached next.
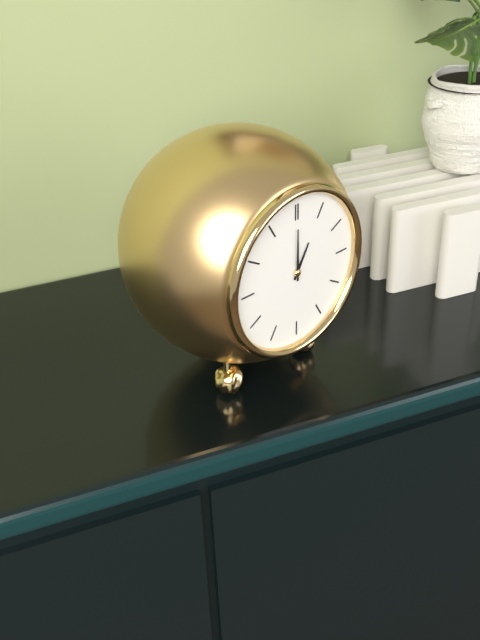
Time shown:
1.00
